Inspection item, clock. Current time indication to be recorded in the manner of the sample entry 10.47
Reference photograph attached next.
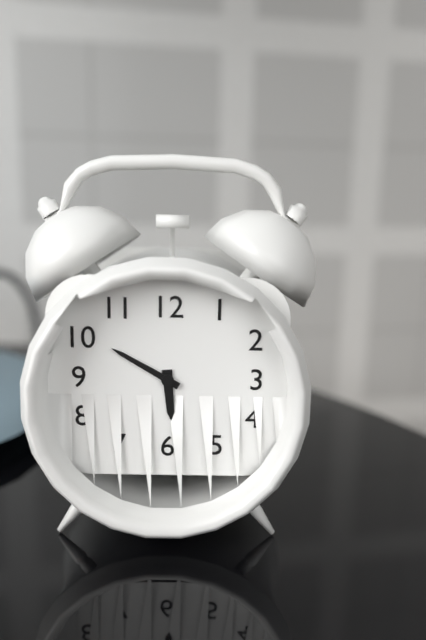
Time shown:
5.50
